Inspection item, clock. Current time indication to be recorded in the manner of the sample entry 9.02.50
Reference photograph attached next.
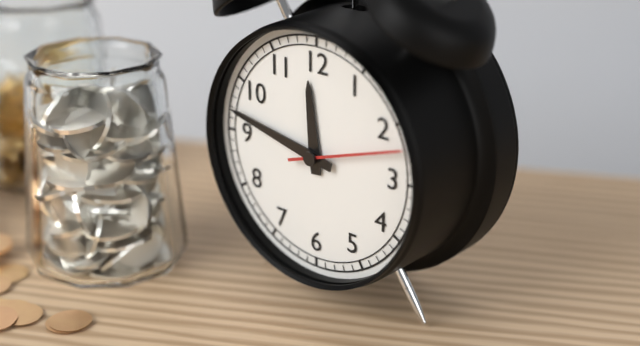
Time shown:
11.47.12
